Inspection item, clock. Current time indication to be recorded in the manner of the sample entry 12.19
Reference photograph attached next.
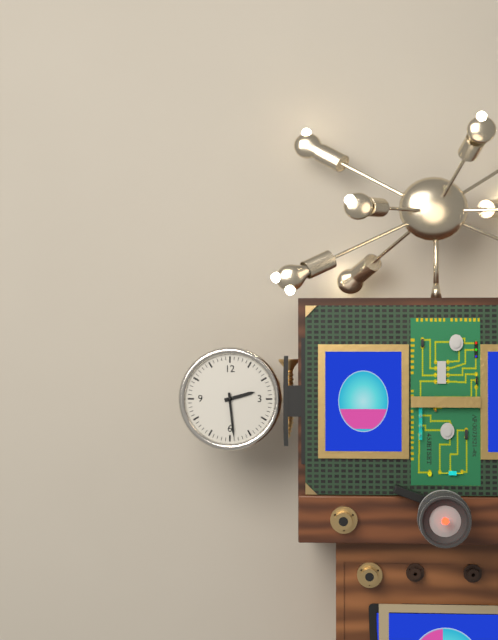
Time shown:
2.29
